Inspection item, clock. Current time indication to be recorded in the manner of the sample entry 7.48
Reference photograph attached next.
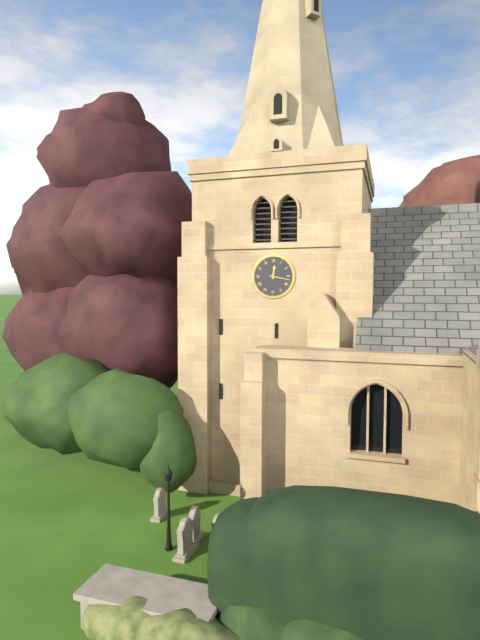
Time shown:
12.17
